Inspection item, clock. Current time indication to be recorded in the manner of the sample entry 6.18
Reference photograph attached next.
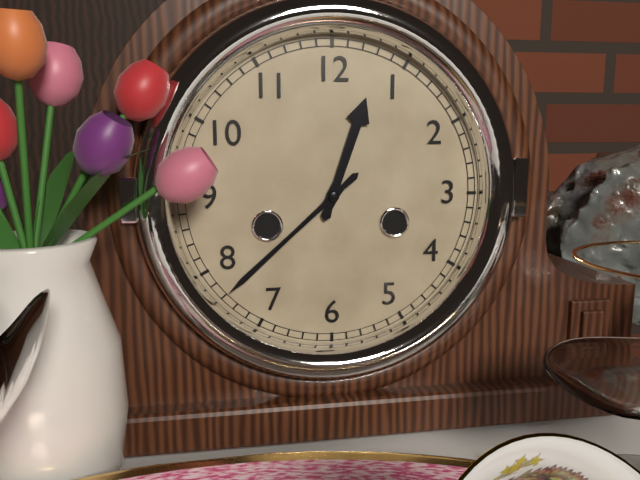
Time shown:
12.38
